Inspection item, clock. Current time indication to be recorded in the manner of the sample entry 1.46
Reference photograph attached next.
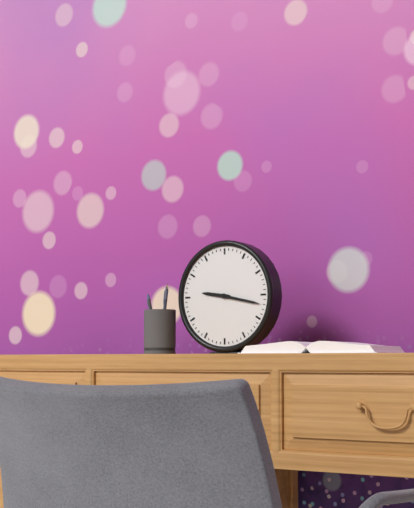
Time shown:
9.17
